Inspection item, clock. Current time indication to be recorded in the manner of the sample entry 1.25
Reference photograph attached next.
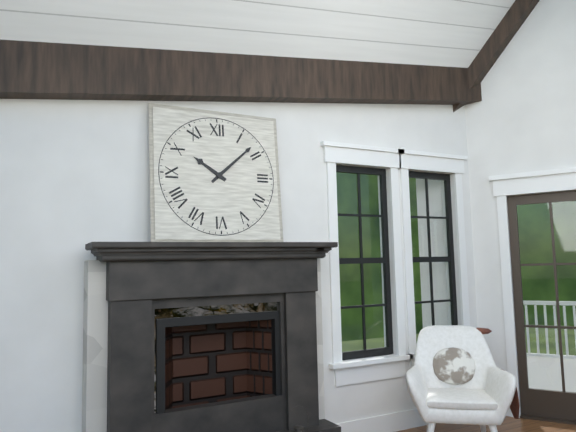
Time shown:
10.08
